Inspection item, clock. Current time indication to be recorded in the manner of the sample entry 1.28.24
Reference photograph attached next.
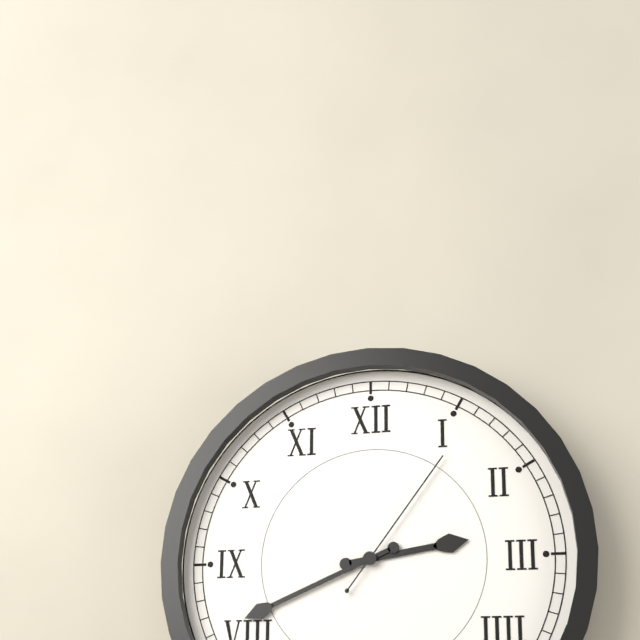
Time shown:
2.41.06
